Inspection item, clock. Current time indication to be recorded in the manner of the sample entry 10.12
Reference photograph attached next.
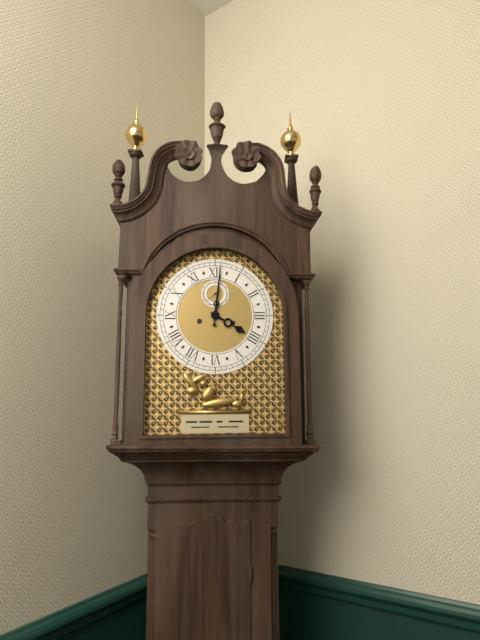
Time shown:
4.01
